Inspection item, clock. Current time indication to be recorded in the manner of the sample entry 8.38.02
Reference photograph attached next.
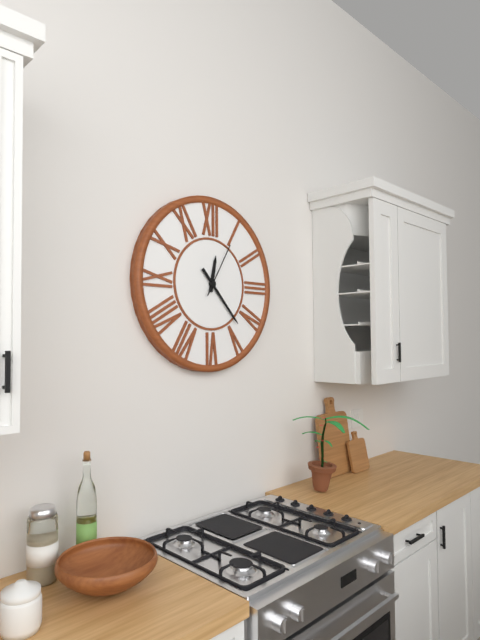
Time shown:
12.23.05
